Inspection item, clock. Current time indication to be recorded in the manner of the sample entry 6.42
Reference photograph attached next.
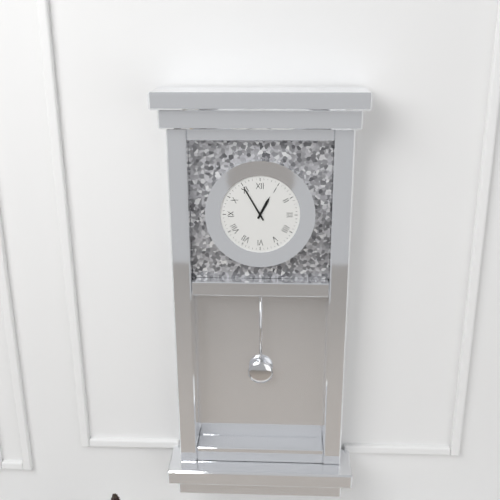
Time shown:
12.55
